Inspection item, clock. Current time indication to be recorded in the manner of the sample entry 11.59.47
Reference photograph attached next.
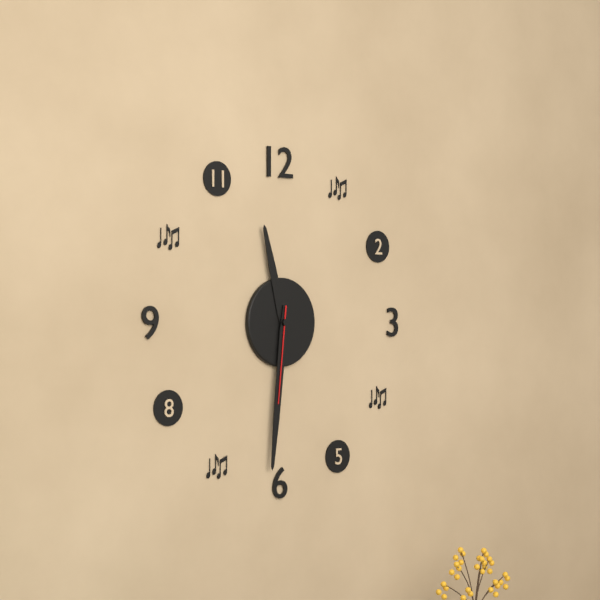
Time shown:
11.31.31
